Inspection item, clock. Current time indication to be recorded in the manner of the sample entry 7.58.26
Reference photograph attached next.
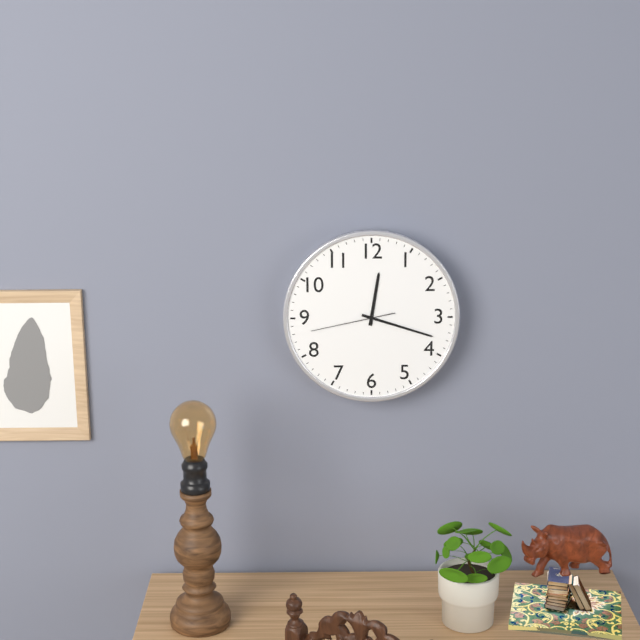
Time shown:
12.18.43
